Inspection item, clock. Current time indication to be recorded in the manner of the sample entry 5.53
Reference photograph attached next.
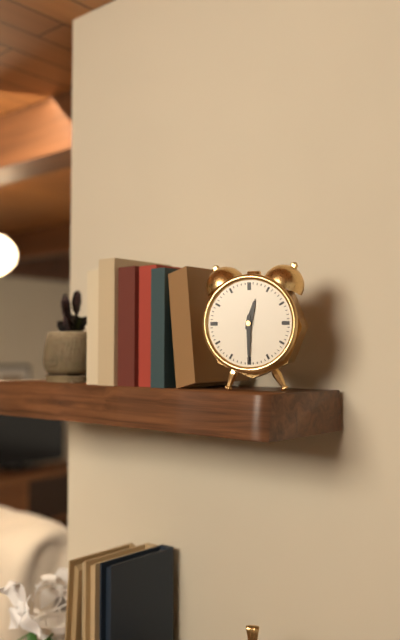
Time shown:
12.30
